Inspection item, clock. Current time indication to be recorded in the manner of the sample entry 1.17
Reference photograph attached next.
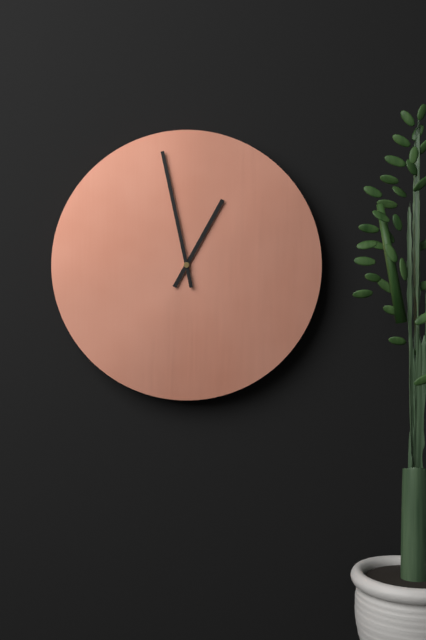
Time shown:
12.58
